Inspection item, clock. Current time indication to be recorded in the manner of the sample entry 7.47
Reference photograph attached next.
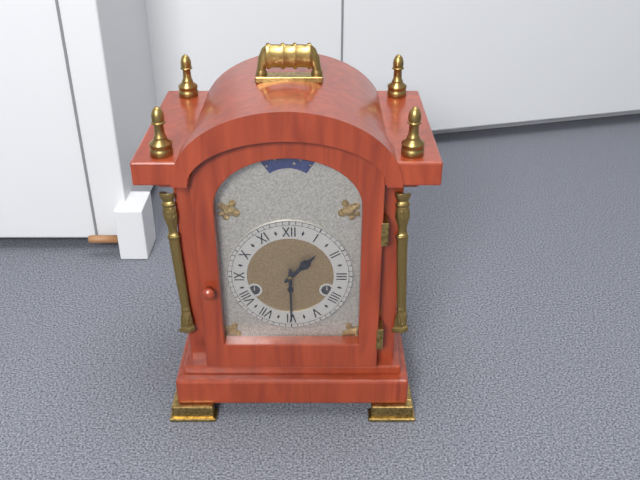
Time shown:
1.30
